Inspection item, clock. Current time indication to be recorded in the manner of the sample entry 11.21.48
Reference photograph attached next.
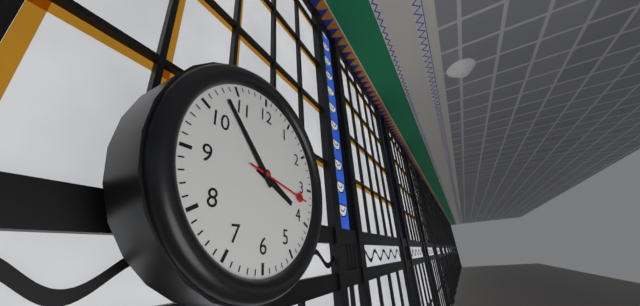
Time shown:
3.53.17
